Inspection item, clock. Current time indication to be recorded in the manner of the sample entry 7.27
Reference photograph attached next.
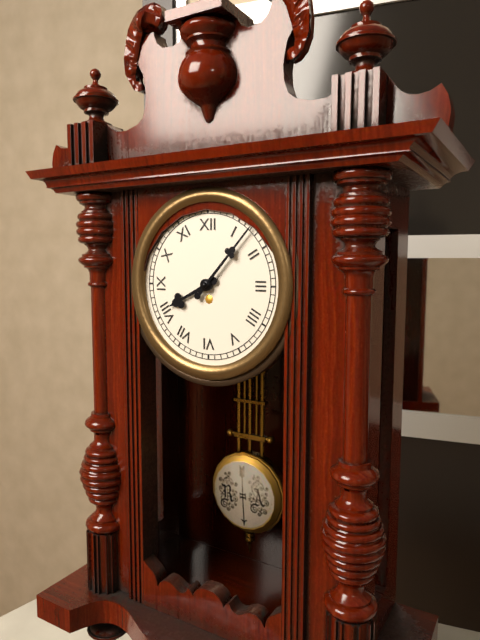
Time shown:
8.07
